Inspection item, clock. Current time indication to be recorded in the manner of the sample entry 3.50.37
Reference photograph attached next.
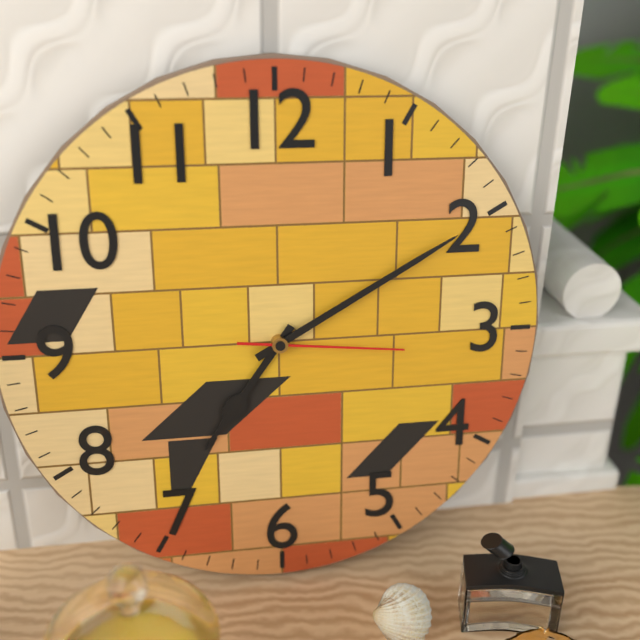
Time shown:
7.10.16
